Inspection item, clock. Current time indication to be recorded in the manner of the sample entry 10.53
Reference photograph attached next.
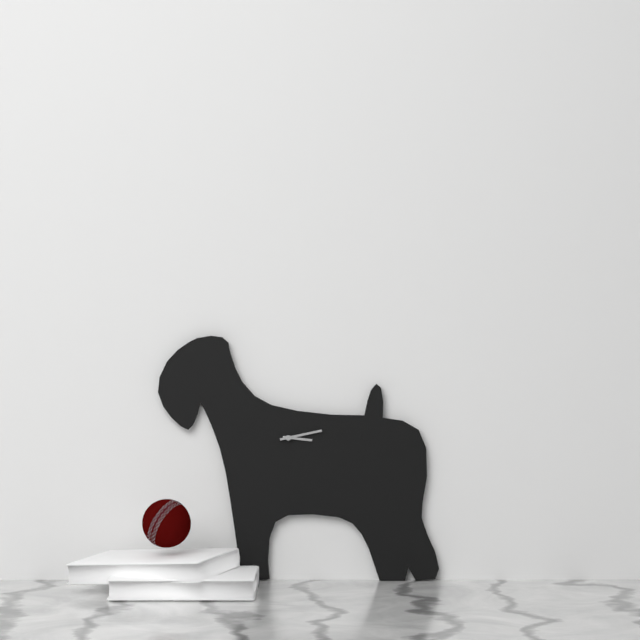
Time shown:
3.13
